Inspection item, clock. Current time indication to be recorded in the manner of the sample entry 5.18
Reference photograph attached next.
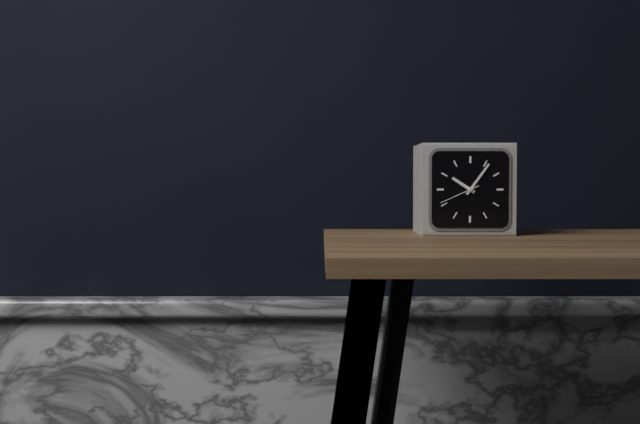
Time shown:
10.06
